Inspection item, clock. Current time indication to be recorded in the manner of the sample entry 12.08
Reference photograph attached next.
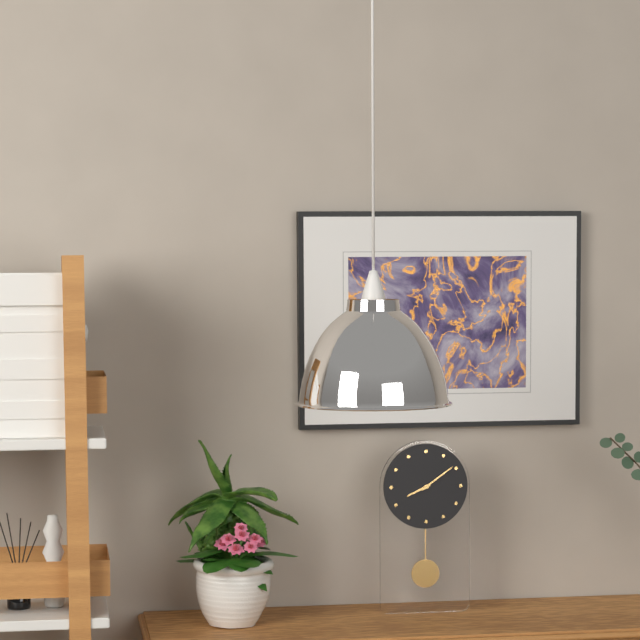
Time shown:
8.09
